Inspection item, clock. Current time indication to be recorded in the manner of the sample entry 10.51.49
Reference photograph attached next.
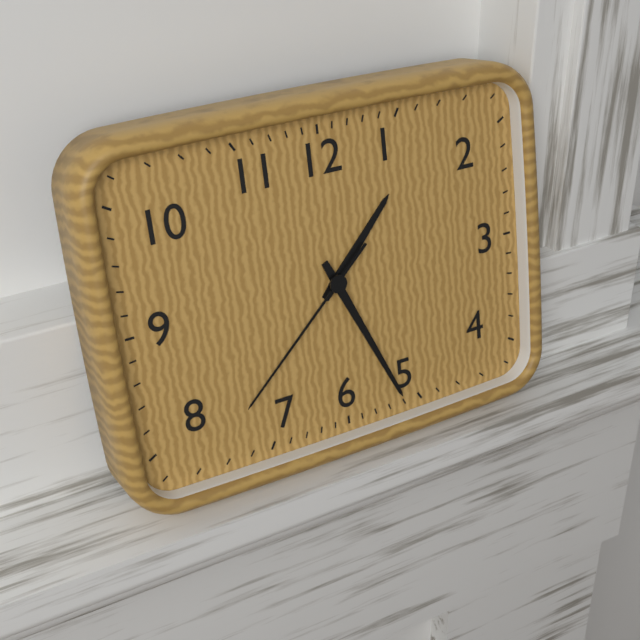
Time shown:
1.26.38
